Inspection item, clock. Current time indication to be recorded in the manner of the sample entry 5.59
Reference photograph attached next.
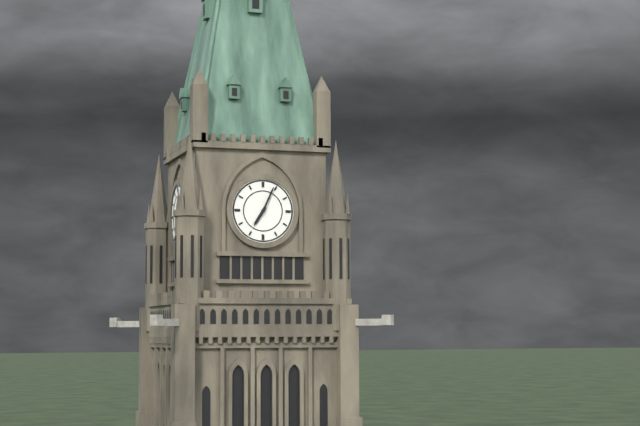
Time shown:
7.04
